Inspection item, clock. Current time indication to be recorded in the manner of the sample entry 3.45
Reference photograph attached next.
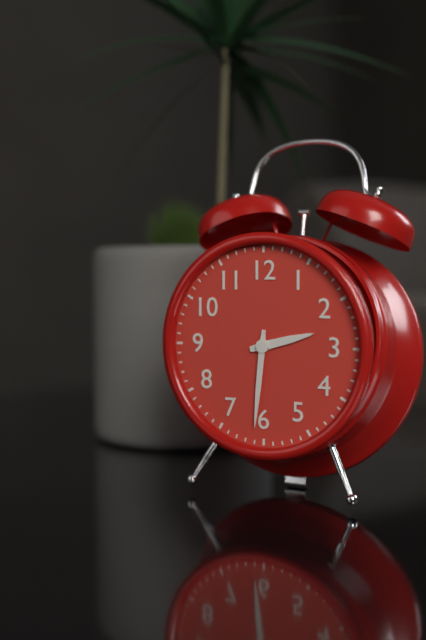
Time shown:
2.31
